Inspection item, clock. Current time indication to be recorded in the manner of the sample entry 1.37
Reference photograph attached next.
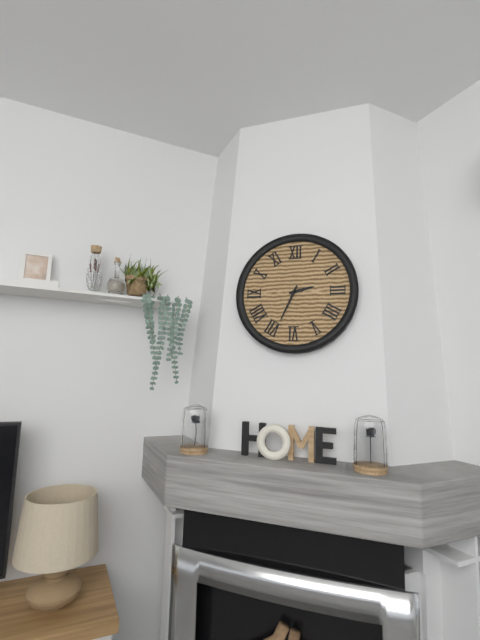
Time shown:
2.34
